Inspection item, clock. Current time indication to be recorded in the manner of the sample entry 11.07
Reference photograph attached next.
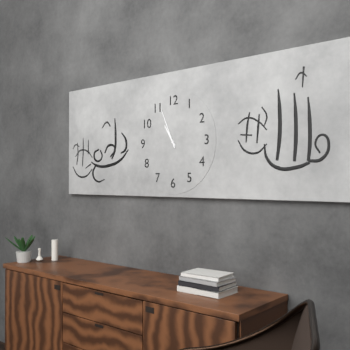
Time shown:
10.56
